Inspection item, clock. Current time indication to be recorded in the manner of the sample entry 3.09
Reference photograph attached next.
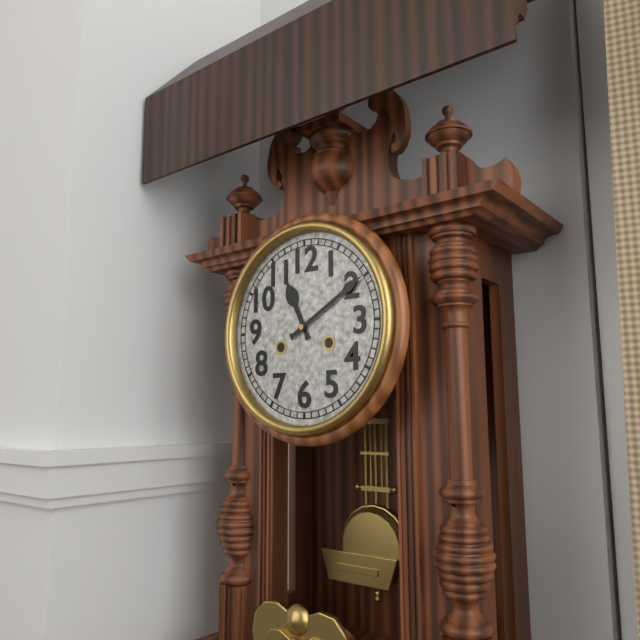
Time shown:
11.10
